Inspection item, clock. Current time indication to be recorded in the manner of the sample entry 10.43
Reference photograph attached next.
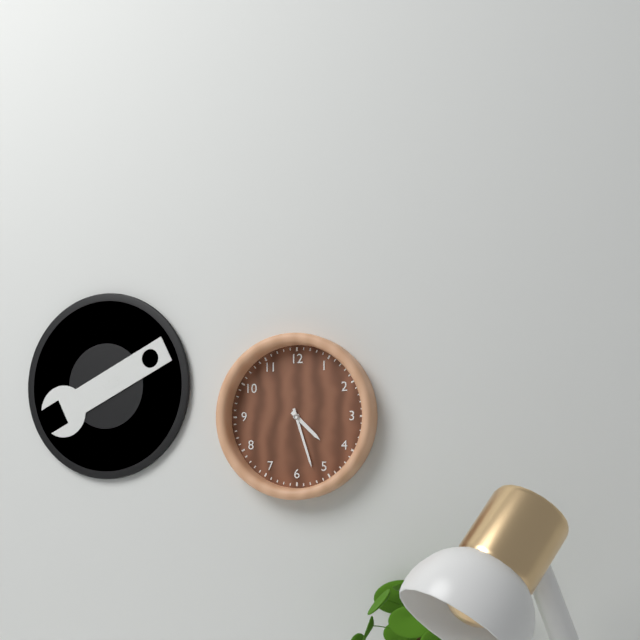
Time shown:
4.27
